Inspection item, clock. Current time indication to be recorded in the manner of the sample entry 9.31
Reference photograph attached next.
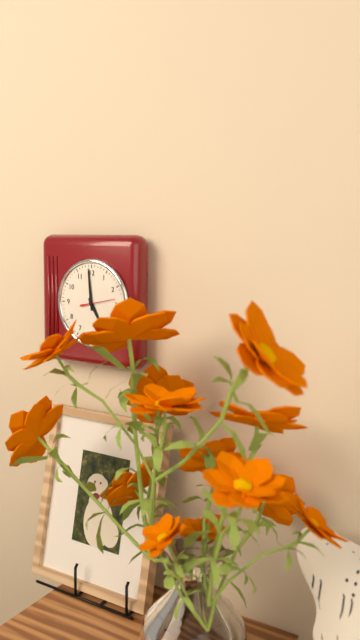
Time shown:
4.59
